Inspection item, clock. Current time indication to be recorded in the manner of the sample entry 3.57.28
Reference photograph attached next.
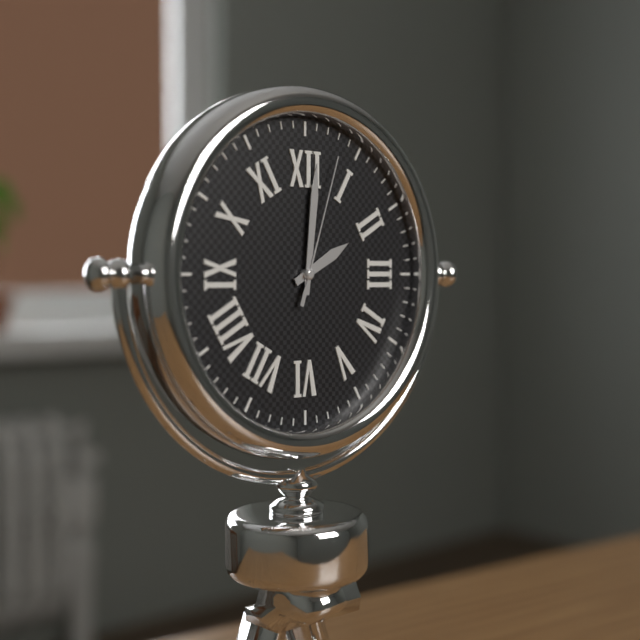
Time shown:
2.01.03
